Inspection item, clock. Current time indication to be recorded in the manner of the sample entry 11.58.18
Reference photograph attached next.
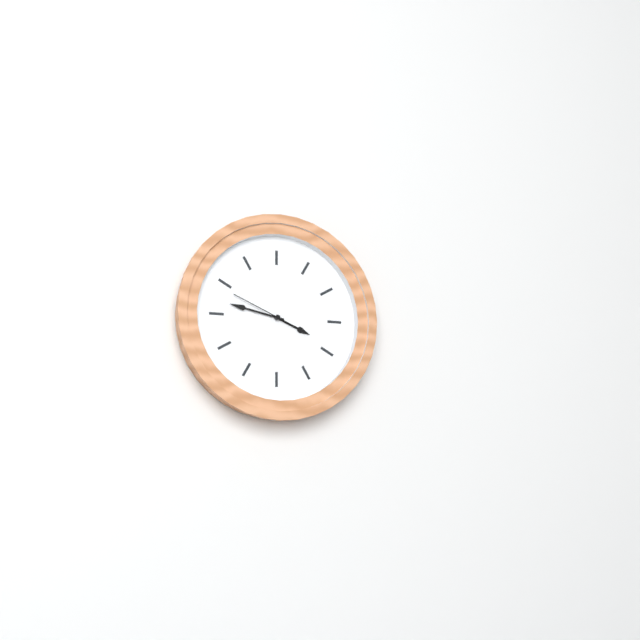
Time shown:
3.47.49
